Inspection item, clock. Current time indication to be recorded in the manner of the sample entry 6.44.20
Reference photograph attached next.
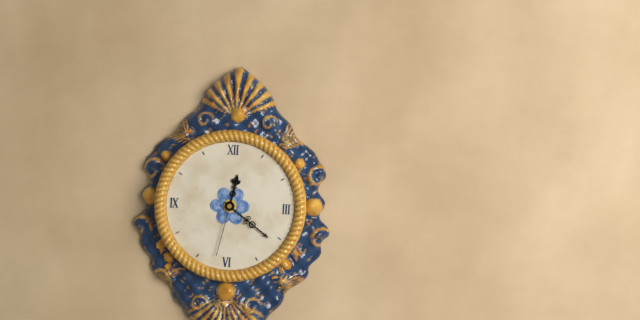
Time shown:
12.21.32
